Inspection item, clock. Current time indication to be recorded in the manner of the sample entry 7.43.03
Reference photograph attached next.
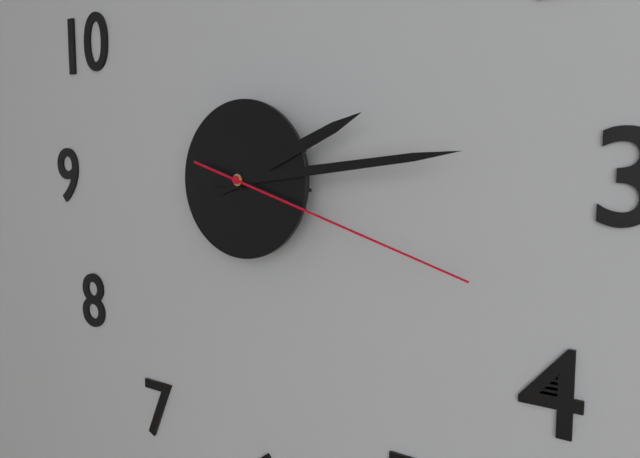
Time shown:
2.14.18
